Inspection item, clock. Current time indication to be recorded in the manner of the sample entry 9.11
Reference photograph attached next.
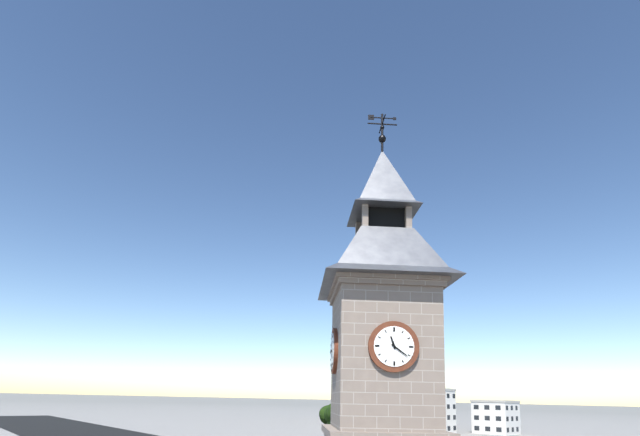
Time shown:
11.21
